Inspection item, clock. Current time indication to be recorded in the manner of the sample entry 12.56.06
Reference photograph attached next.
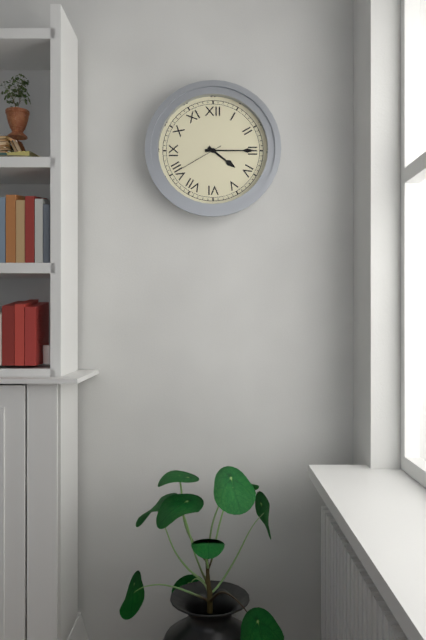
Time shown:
4.15.40
